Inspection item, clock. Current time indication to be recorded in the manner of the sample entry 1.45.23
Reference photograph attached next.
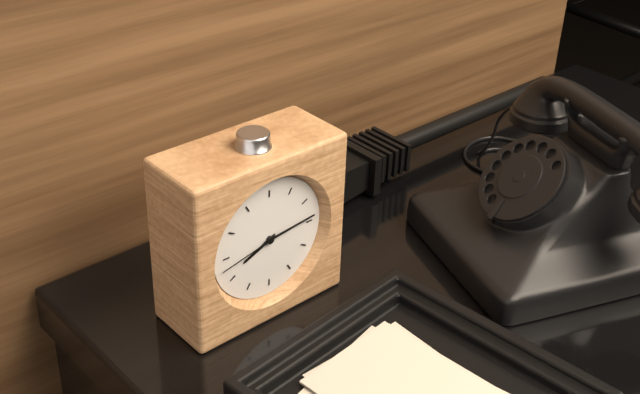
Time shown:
8.14.43
